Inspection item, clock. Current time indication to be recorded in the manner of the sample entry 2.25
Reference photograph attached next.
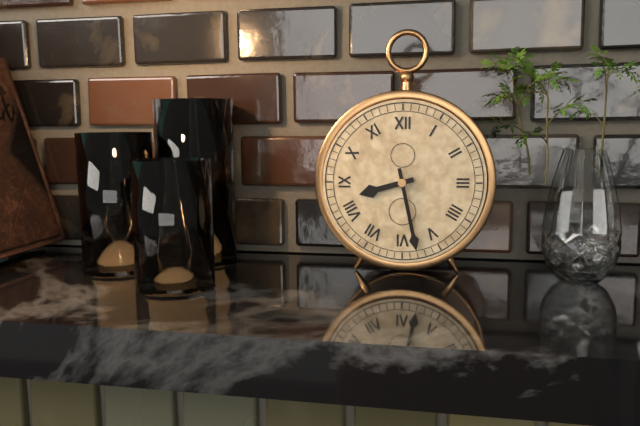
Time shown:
8.28
